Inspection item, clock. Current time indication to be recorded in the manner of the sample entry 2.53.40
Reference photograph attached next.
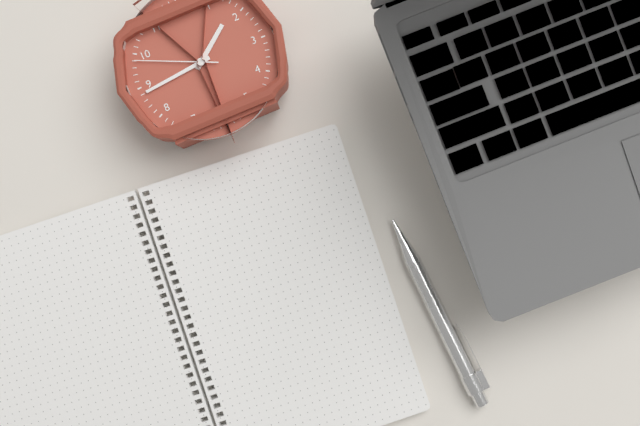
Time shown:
1.44.49
